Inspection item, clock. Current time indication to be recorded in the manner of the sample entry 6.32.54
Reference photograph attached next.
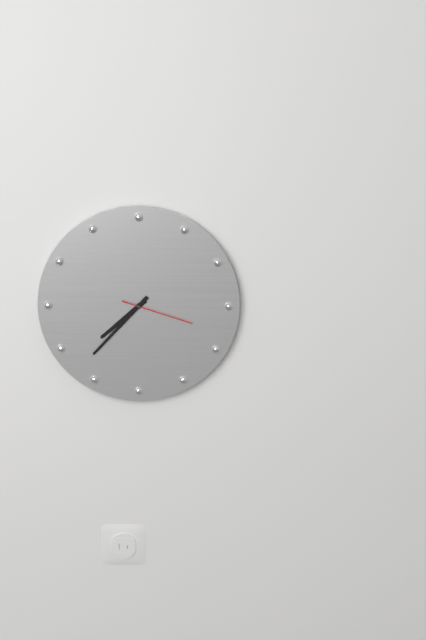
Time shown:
7.37.18
